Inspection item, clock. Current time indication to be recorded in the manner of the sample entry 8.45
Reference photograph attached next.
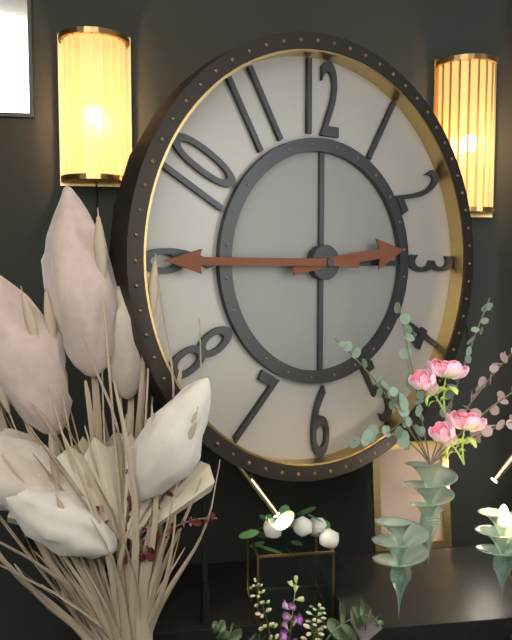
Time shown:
2.45
